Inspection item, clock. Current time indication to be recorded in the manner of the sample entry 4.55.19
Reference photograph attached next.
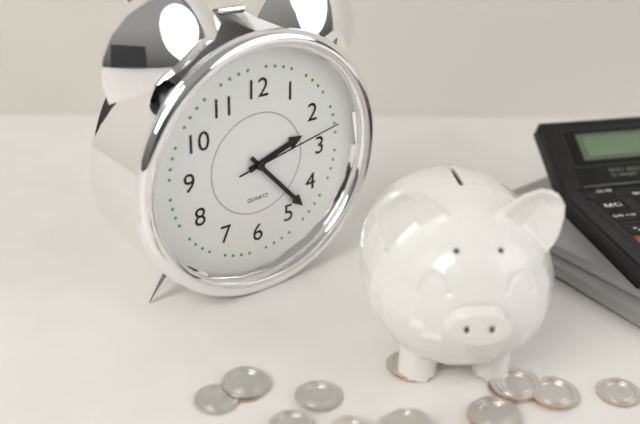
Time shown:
2.23.13
